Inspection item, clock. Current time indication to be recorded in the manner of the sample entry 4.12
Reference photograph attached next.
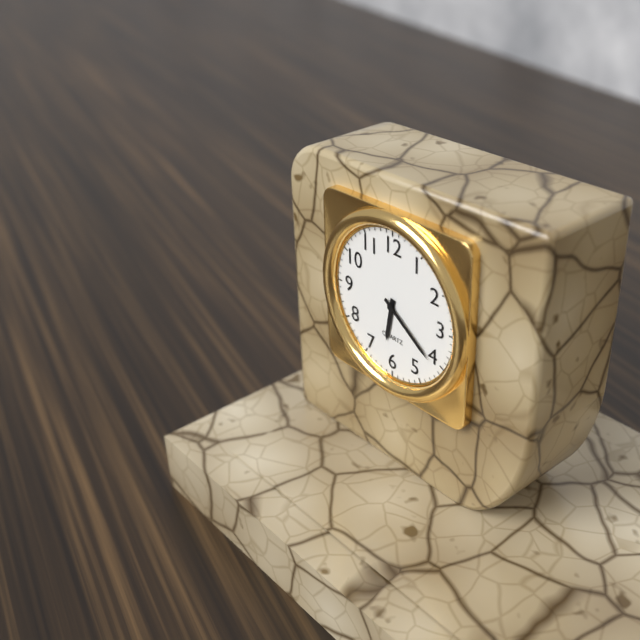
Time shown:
6.21
